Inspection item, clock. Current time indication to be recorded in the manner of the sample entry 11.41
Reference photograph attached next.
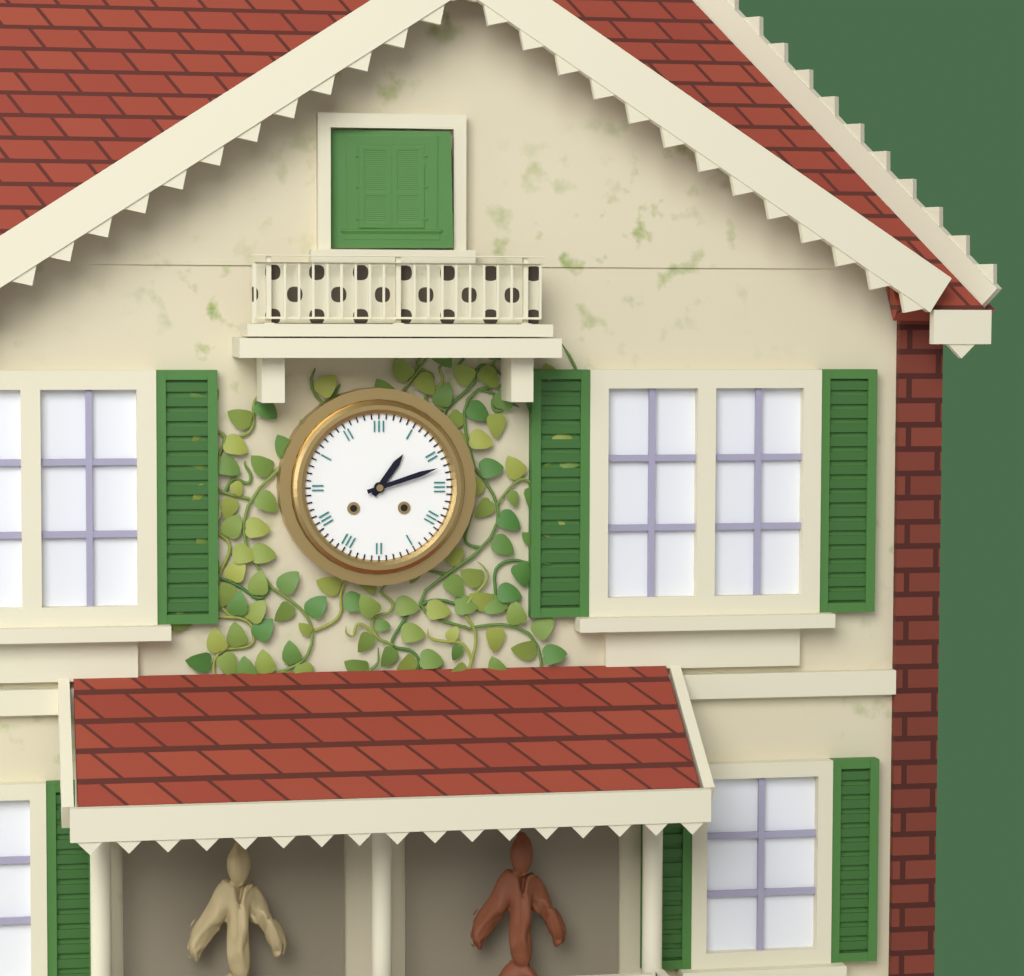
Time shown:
1.12
